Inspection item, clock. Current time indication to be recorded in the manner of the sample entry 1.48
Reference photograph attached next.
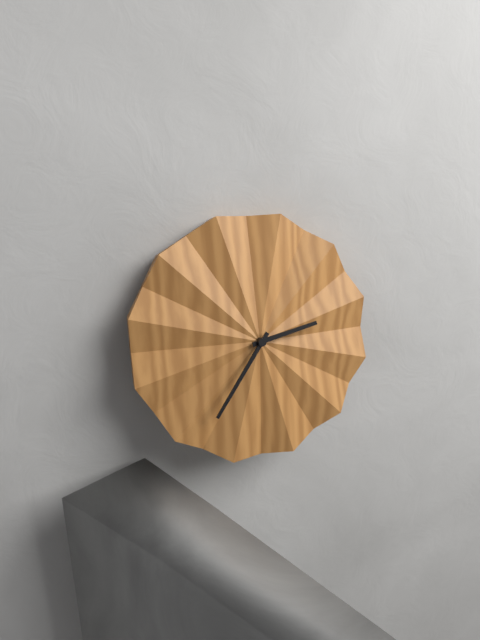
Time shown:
2.36
